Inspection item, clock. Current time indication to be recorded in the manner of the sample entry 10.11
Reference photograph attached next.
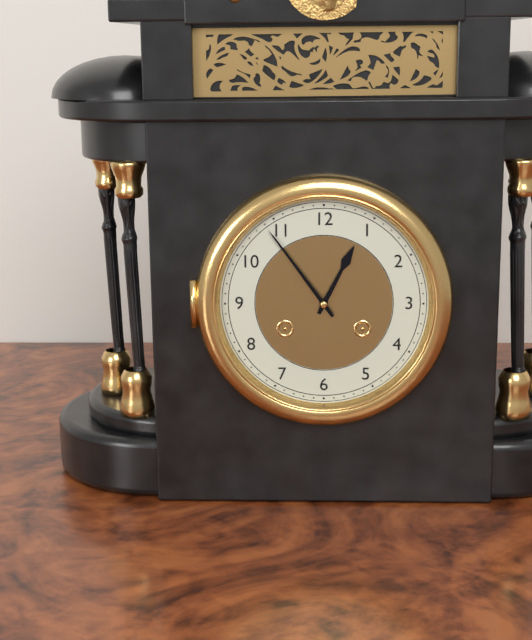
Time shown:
12.54
